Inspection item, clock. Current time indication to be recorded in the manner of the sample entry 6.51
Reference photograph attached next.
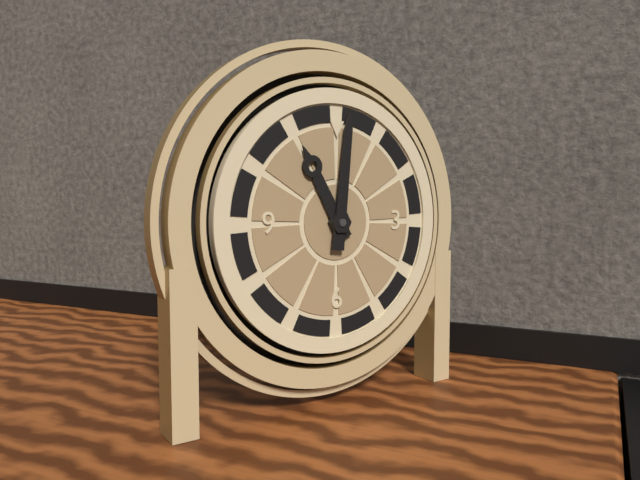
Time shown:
11.01
